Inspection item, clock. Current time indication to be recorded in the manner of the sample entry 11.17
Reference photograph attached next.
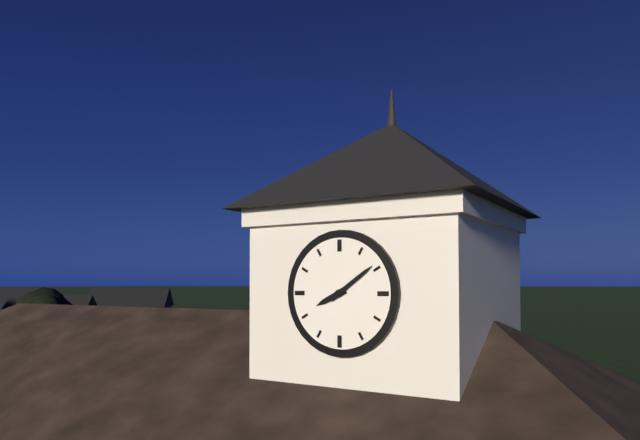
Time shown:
8.09
